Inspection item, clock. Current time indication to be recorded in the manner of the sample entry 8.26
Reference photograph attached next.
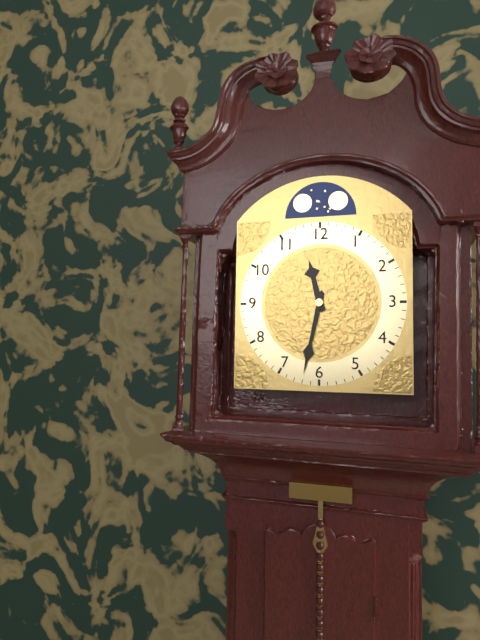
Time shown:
11.32
